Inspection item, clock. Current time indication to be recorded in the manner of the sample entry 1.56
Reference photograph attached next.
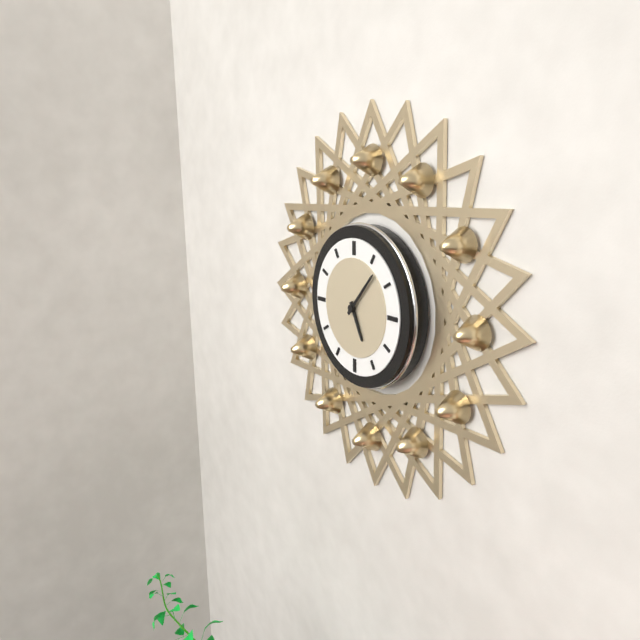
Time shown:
5.07
